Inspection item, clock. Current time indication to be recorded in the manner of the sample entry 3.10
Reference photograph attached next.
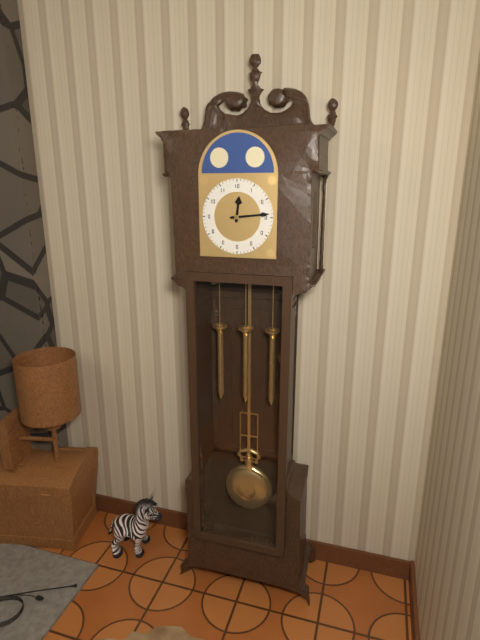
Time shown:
12.14
